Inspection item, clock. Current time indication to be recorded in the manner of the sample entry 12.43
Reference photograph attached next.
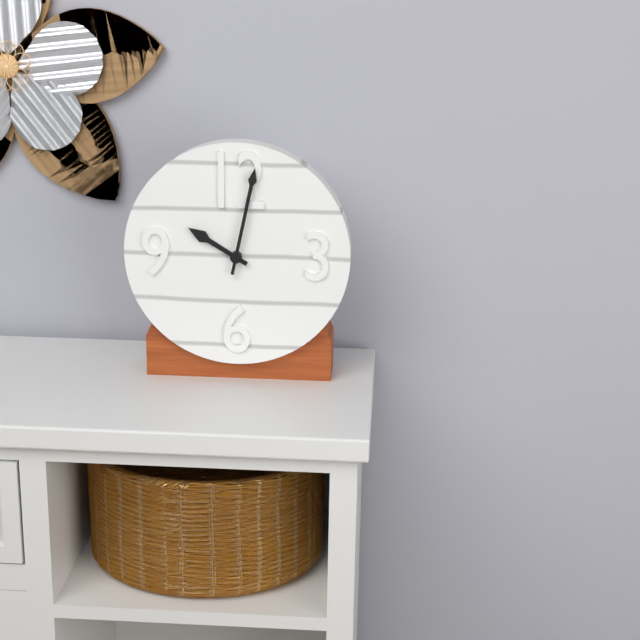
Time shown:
10.02
